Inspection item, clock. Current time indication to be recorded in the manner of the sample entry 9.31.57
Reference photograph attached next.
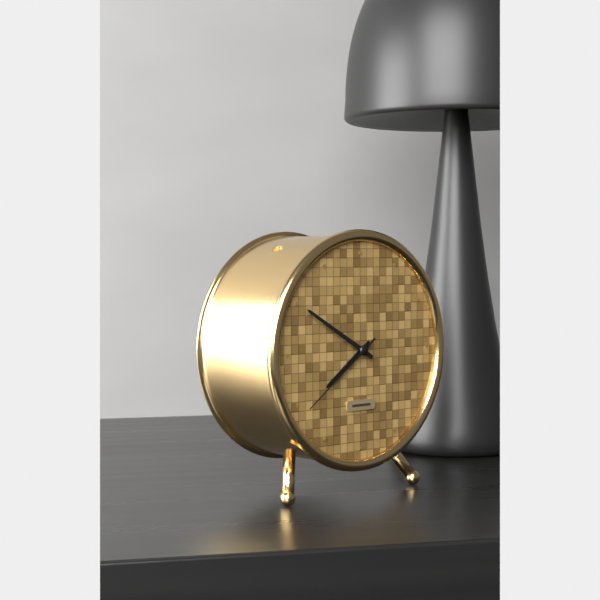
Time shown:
7.50.39
